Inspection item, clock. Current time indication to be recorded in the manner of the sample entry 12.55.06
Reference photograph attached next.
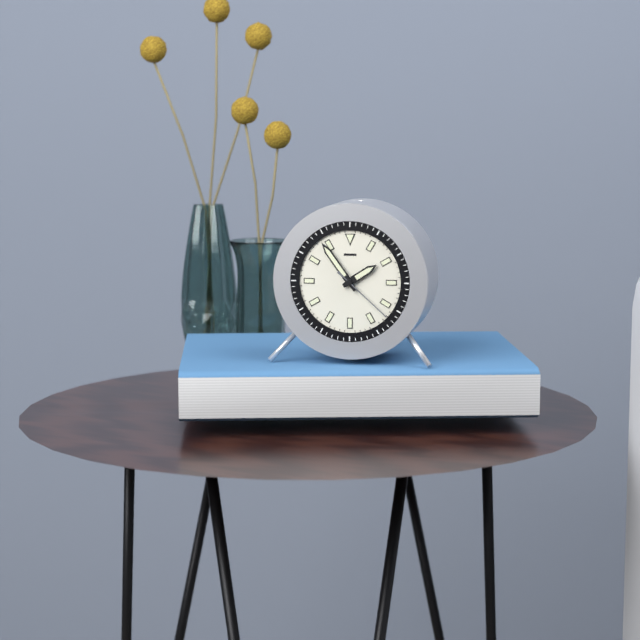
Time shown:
1.54.22
